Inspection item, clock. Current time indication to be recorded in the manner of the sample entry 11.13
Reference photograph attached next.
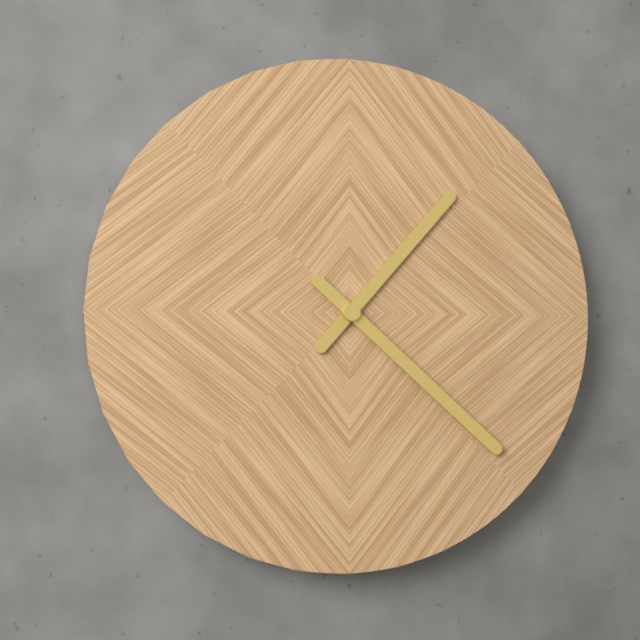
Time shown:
1.22
